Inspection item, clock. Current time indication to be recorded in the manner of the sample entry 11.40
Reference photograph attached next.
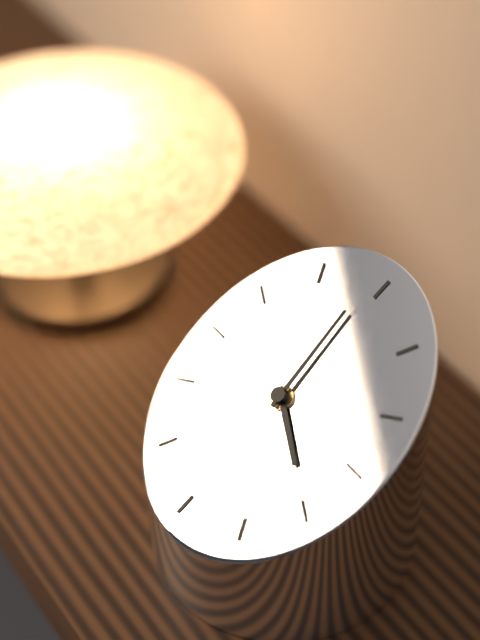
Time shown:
3.59
